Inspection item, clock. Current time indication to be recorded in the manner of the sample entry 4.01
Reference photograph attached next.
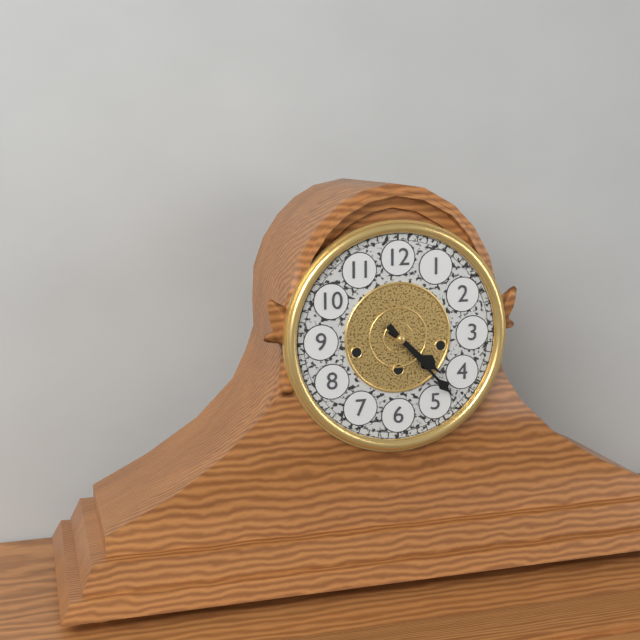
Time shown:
4.23
